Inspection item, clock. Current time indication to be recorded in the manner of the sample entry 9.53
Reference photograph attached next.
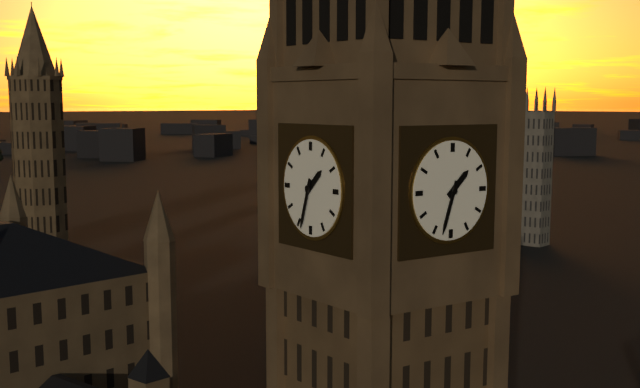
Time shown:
1.33
